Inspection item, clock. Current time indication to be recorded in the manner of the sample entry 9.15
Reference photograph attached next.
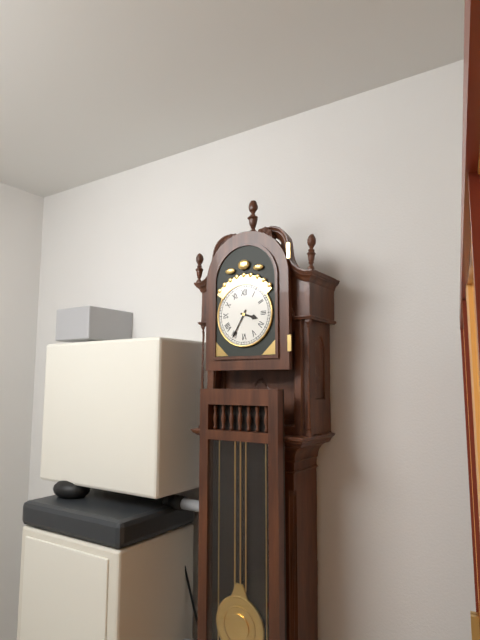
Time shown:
3.35
